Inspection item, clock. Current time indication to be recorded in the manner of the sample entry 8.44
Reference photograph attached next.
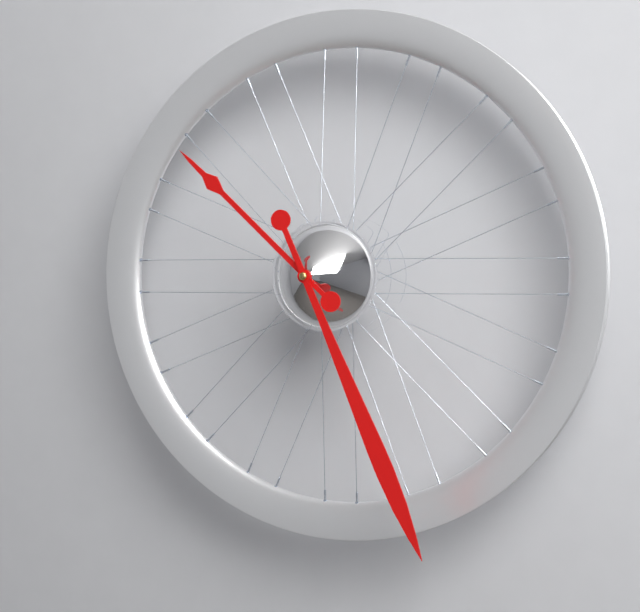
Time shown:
10.26
